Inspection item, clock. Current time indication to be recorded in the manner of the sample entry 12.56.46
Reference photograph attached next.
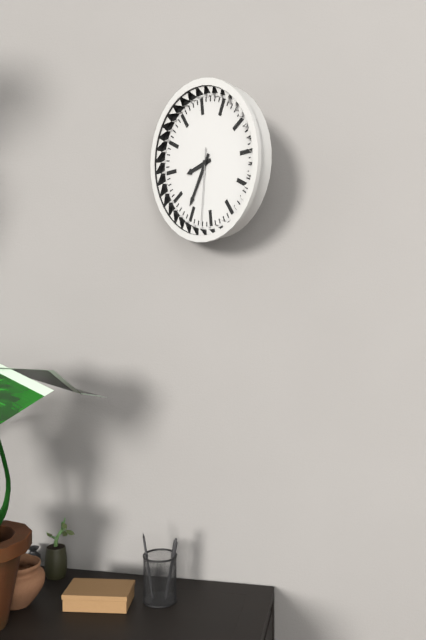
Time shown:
8.36.32
